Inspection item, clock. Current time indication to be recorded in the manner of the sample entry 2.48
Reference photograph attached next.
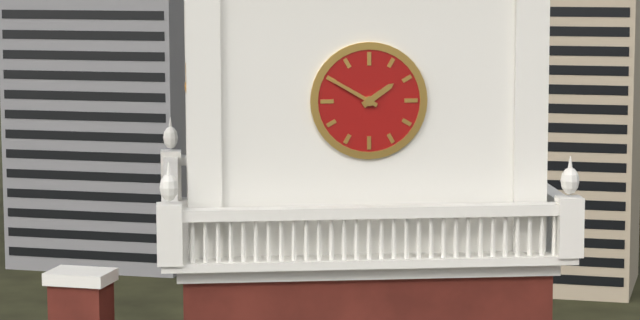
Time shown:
1.50
